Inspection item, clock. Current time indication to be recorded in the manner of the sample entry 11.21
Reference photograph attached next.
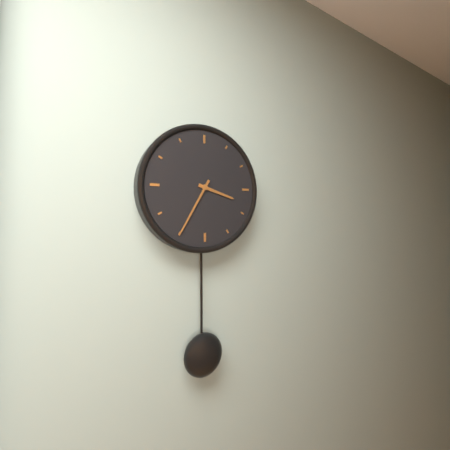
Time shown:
3.35
